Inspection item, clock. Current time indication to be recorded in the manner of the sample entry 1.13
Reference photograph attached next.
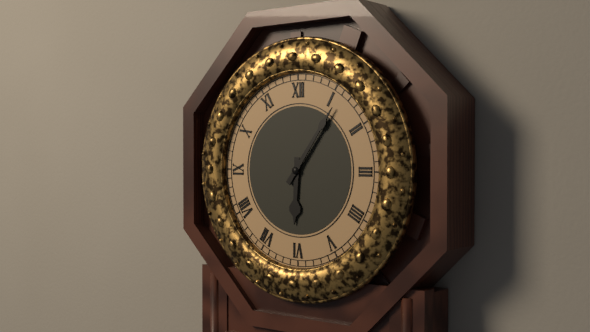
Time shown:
6.06
